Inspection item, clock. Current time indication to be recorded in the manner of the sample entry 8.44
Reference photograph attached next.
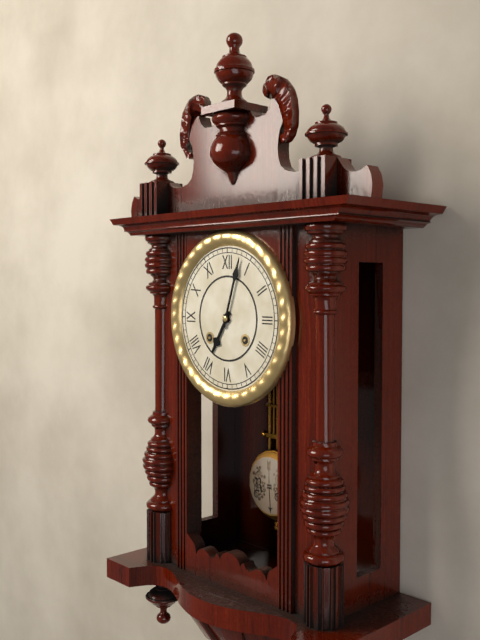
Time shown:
7.03
